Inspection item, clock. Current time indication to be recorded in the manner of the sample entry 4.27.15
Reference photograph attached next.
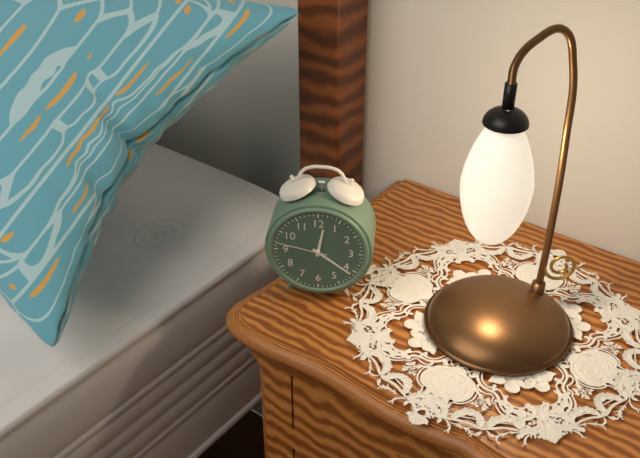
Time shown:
12.21.47
